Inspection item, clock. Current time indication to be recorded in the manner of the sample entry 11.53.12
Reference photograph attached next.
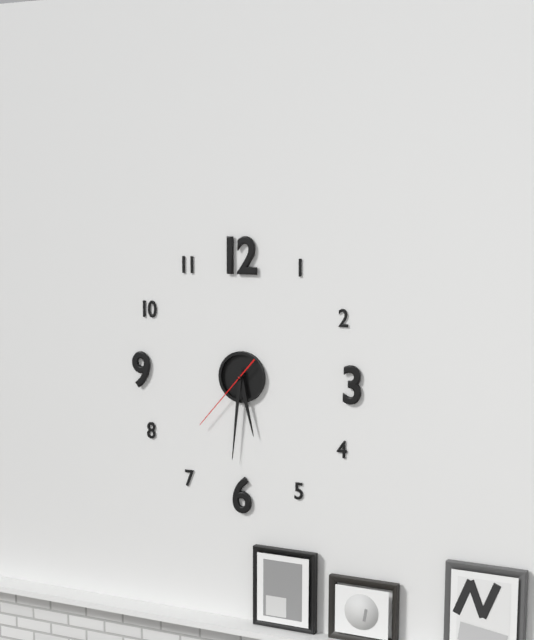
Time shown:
5.31.37
